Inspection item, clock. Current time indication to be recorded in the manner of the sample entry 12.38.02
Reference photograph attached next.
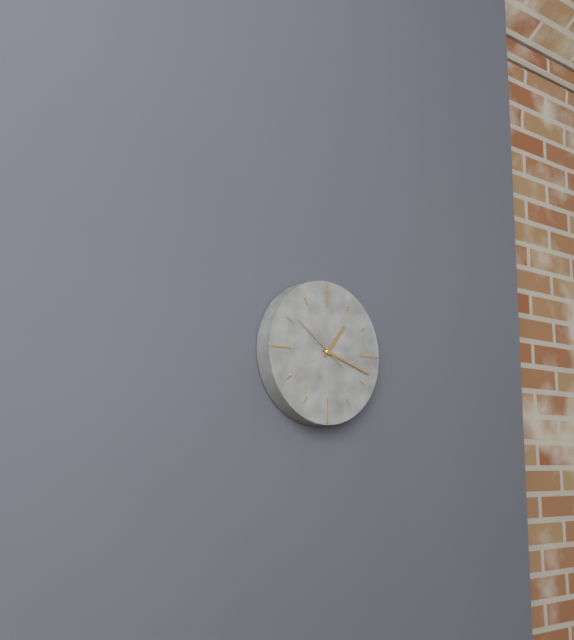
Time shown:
1.18.51
